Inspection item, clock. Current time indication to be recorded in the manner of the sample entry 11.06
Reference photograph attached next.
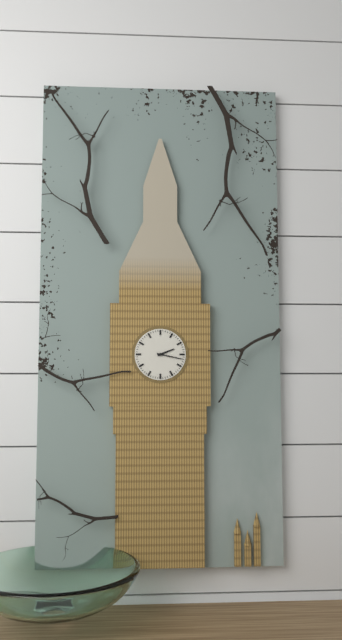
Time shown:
2.17
